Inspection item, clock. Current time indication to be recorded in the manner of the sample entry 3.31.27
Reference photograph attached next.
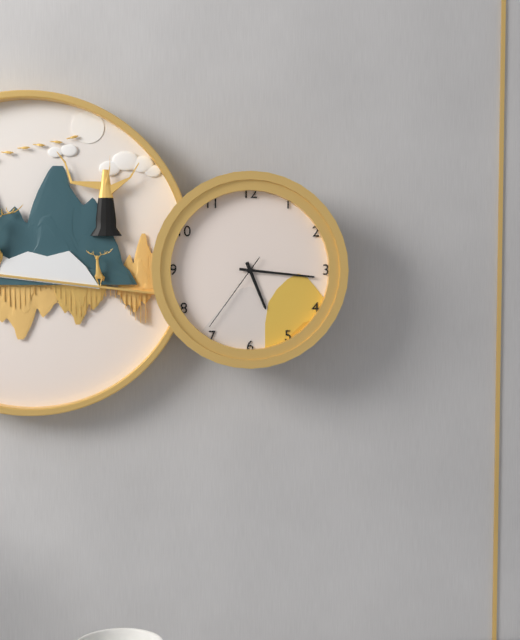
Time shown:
5.16.36
